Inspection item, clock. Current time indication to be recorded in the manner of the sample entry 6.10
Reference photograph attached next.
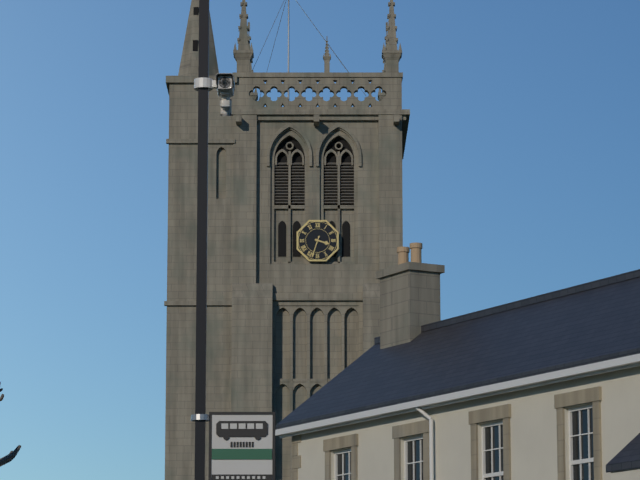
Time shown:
3.33
